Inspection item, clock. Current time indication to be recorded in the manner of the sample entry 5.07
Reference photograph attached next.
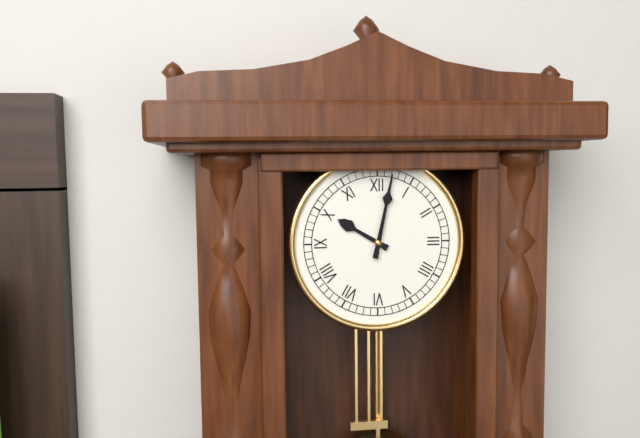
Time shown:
10.02
